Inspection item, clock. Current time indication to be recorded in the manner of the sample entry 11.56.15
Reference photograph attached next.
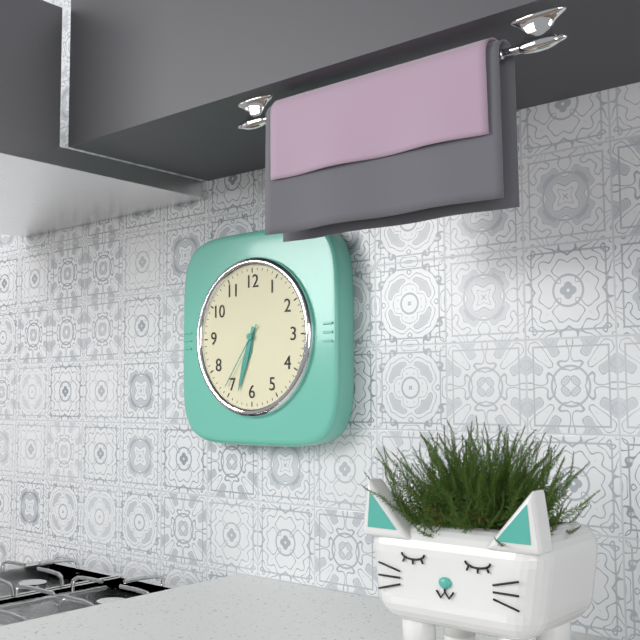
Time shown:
6.33.36
